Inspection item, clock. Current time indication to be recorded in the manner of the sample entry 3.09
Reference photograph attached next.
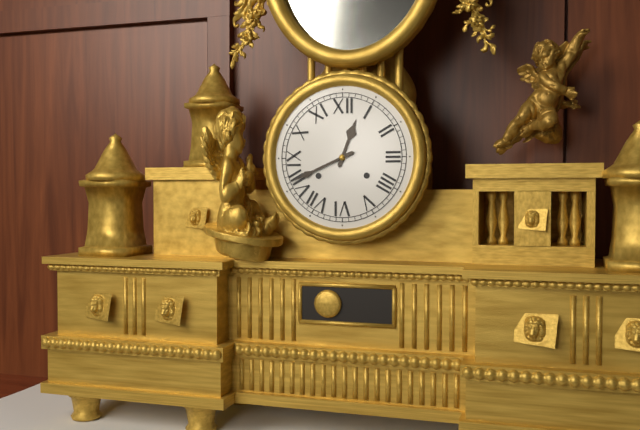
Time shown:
12.41
